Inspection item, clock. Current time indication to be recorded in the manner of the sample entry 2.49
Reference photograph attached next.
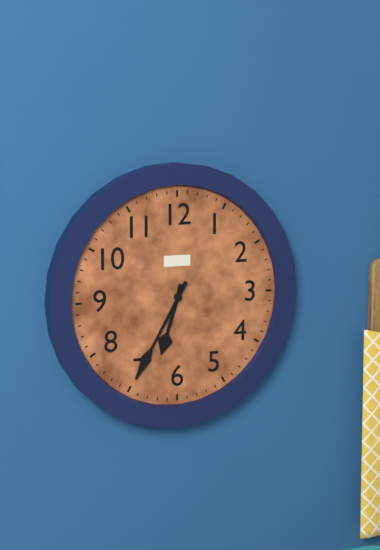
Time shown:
6.35
